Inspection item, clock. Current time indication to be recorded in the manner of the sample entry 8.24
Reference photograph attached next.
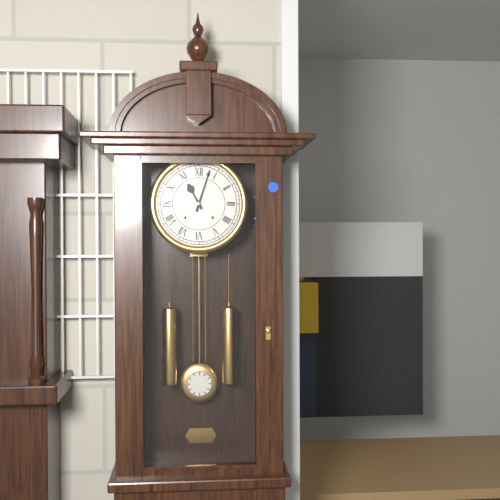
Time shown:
11.03
